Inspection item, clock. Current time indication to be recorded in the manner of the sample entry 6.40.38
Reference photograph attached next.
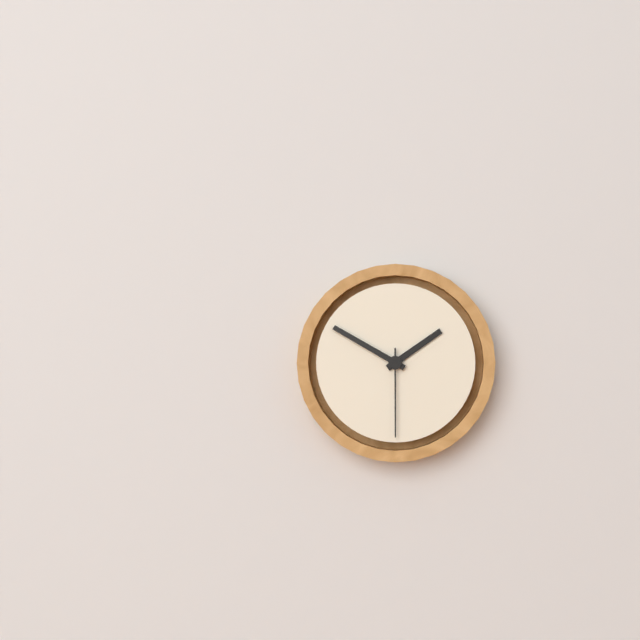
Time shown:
1.50.30
